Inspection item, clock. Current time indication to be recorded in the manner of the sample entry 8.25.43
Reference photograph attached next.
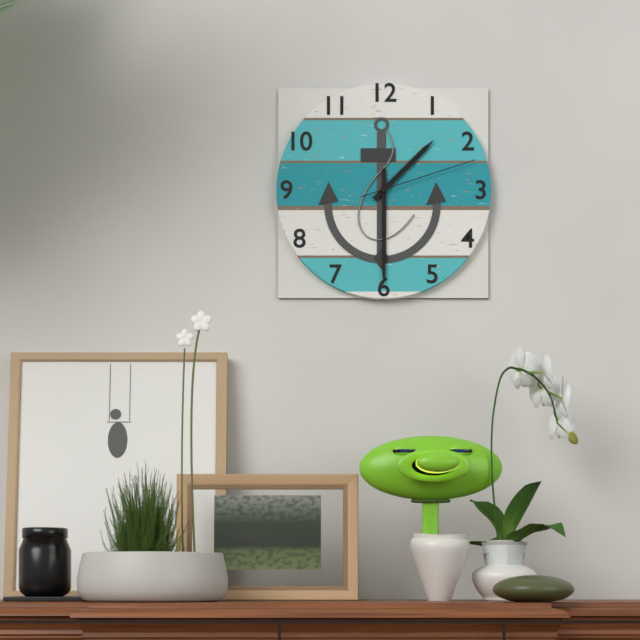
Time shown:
1.30.12
